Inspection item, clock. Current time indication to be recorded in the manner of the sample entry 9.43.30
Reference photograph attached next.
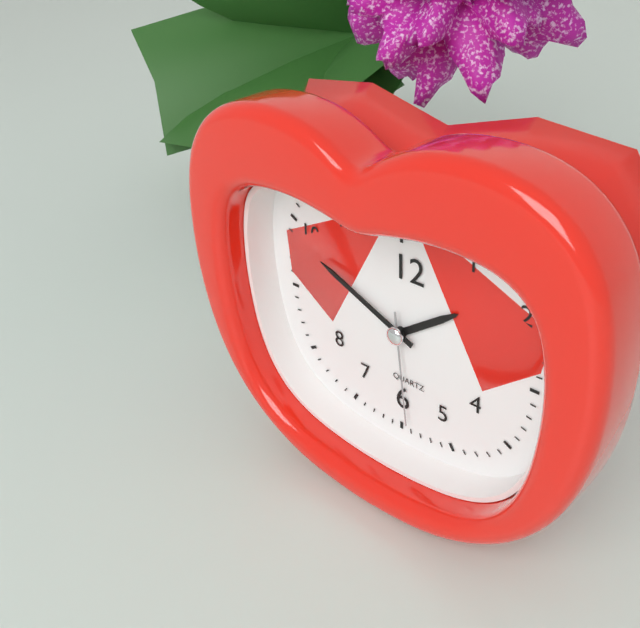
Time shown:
1.49.29
